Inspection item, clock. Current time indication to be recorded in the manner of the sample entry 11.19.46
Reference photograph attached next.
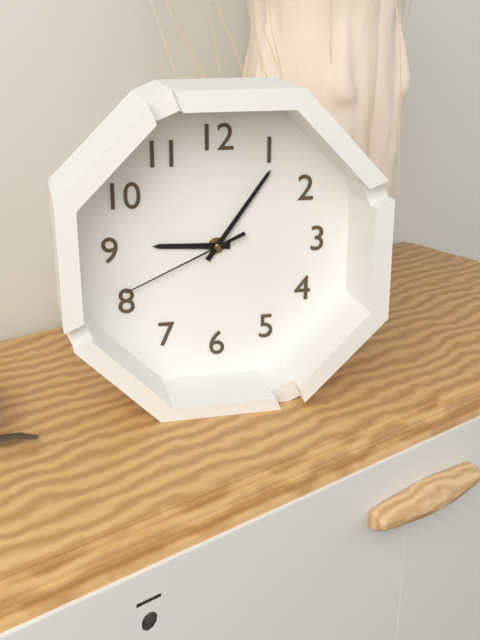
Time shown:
9.06.41
